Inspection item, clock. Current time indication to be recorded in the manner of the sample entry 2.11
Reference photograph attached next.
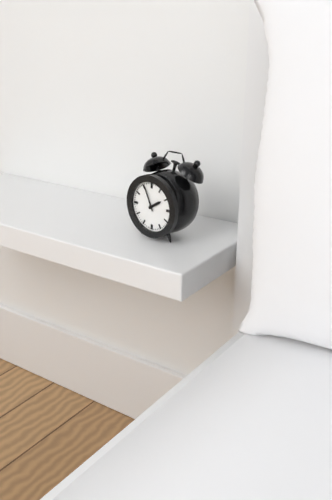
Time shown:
1.56
